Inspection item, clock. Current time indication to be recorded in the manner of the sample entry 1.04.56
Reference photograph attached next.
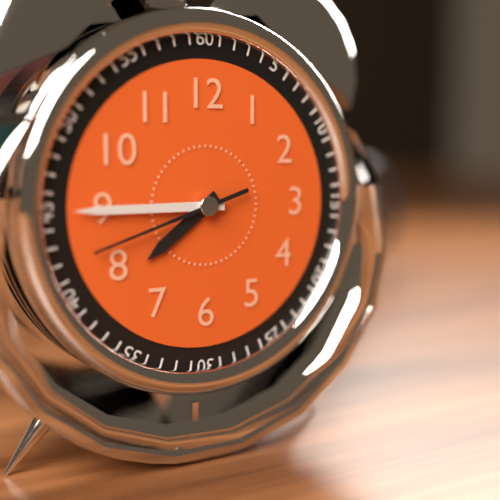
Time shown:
7.45.42
